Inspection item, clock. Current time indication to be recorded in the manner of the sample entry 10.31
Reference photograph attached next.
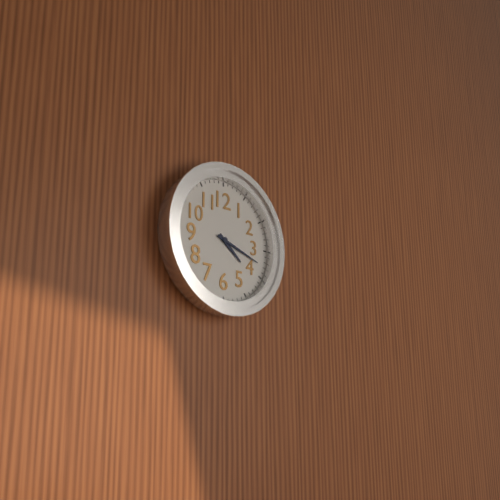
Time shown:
4.18
